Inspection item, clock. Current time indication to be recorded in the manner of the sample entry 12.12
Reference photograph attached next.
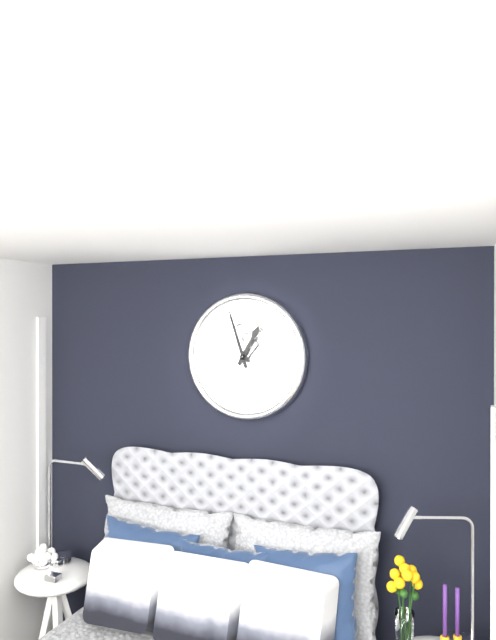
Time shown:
12.57
